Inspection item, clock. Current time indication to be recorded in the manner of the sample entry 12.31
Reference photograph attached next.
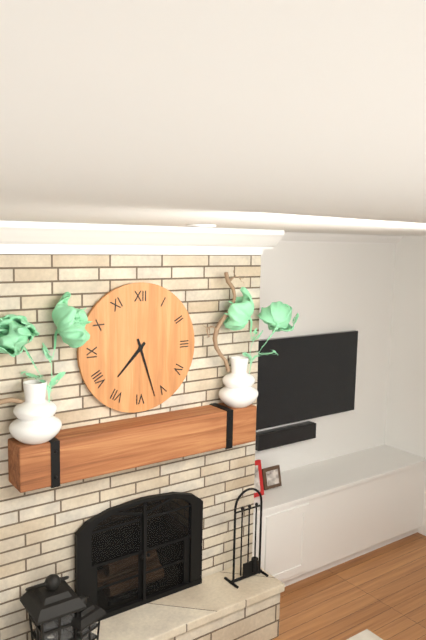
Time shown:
7.27
